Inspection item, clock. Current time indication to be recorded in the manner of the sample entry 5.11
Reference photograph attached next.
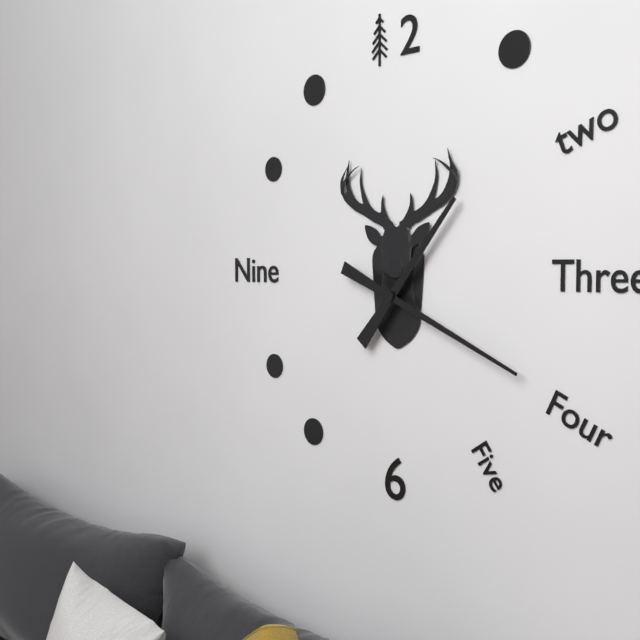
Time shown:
1.19
